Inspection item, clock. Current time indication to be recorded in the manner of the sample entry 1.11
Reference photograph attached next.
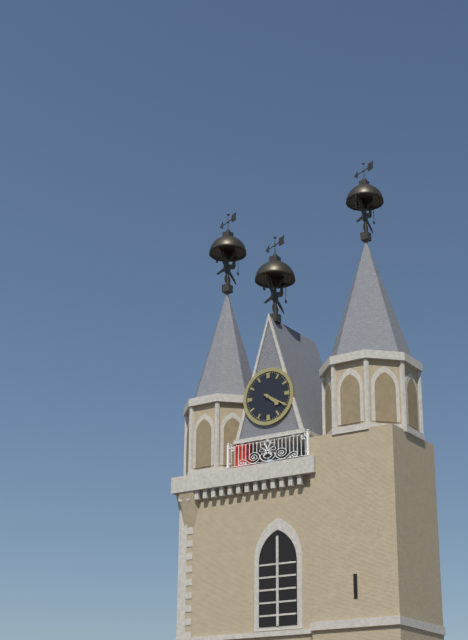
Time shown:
4.20
